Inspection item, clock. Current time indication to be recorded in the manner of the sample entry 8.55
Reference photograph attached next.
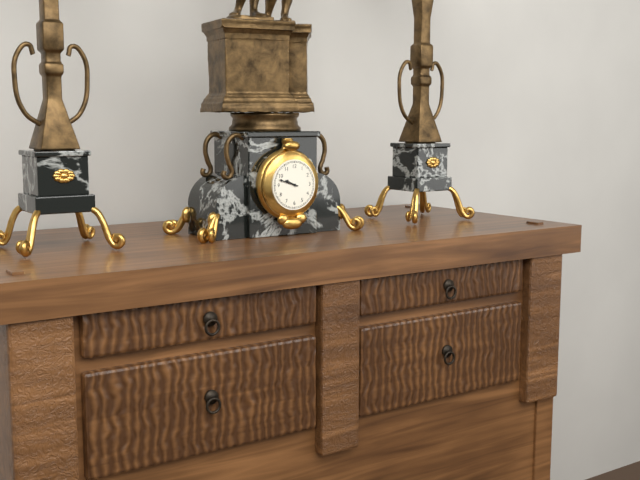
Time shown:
9.48
